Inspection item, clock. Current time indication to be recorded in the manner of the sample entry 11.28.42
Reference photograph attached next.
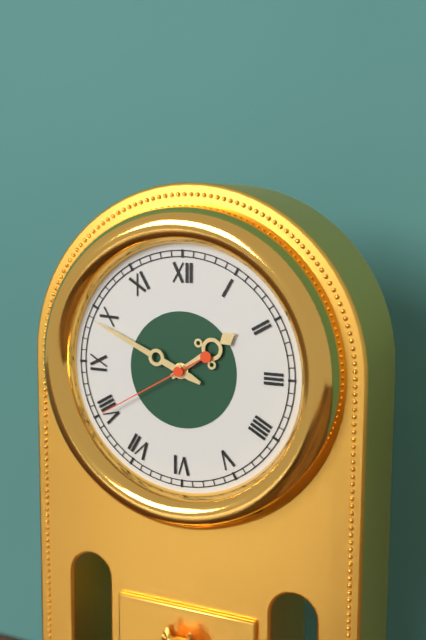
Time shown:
1.49.40
